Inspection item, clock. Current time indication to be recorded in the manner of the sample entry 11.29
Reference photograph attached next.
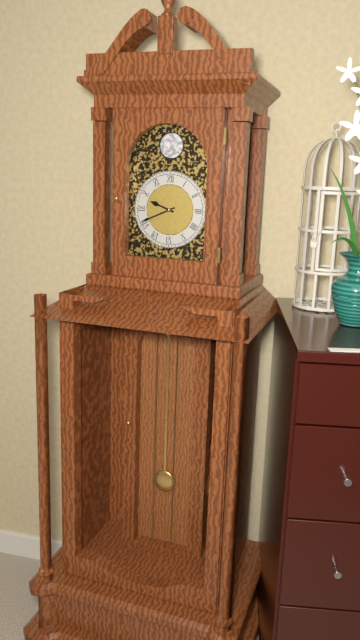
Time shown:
9.41
